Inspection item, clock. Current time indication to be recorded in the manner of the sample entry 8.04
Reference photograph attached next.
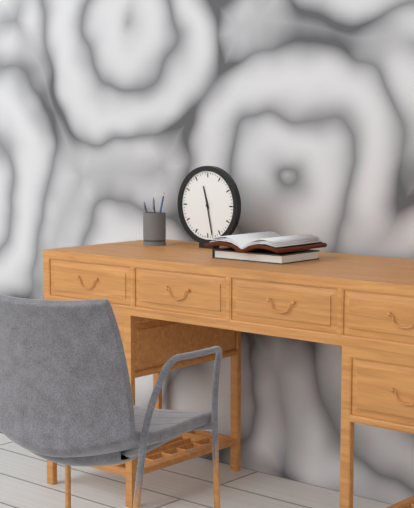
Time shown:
11.28
